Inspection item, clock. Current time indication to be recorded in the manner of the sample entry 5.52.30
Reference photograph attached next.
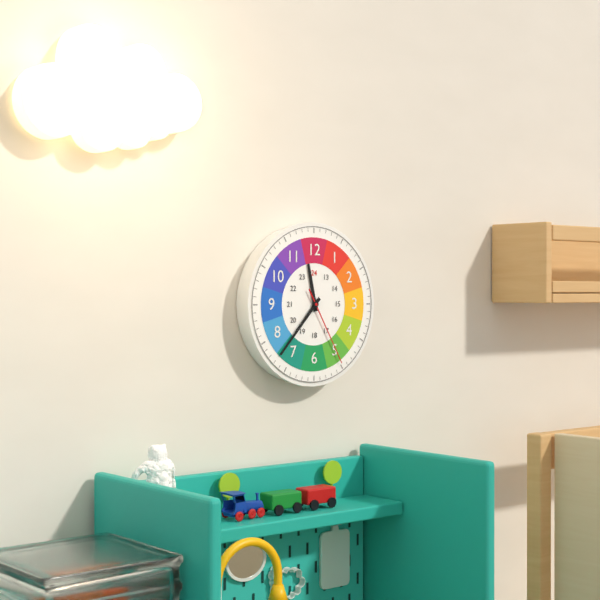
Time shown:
11.37.25
